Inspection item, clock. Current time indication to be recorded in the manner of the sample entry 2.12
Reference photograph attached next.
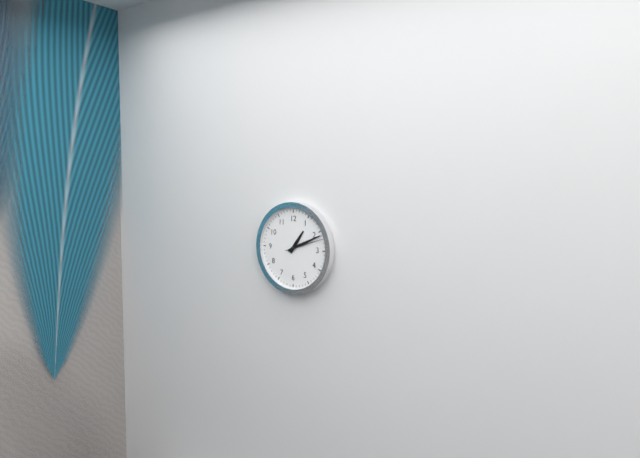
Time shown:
1.11
